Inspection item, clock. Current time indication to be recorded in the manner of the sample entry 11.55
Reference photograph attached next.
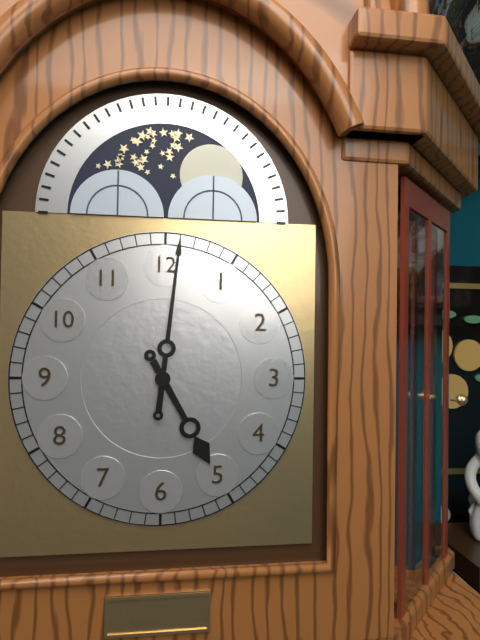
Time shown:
5.01
